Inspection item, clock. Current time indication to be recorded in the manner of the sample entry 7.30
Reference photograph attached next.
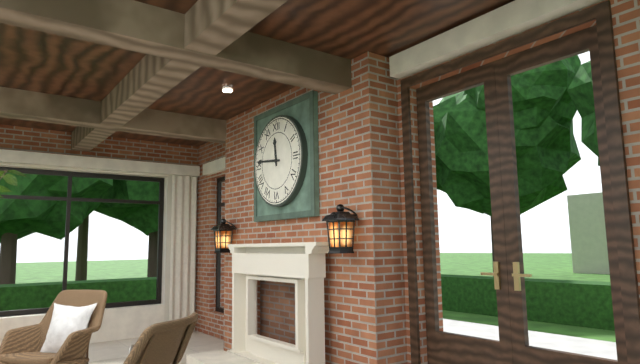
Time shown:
11.46
